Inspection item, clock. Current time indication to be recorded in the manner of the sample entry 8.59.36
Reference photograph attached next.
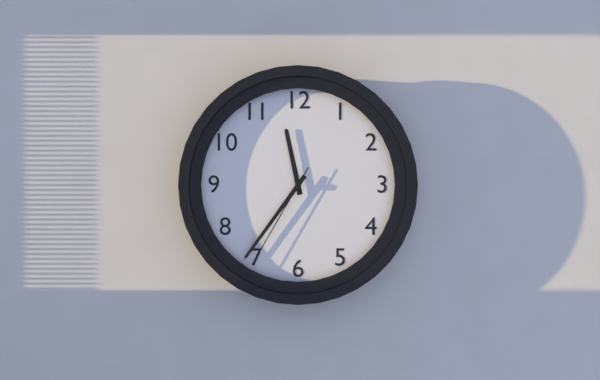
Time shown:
11.36.35
